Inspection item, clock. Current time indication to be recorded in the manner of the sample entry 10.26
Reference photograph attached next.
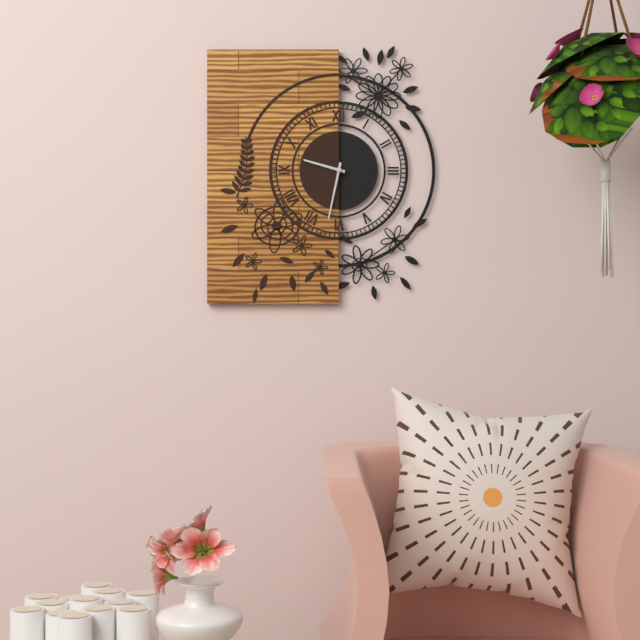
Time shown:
9.32
